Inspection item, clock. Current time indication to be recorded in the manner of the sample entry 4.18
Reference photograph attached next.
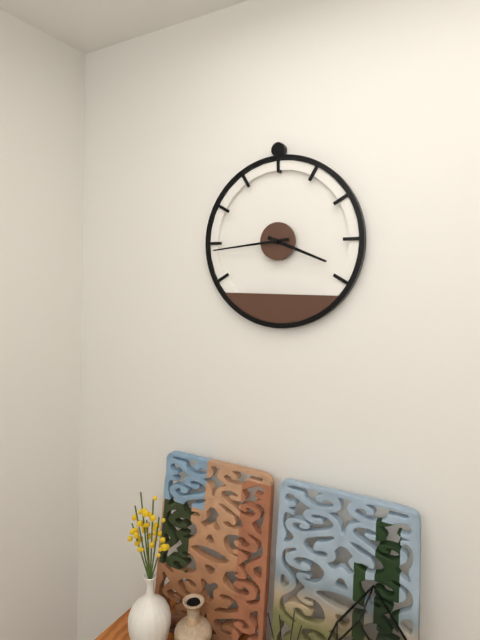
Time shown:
3.44
